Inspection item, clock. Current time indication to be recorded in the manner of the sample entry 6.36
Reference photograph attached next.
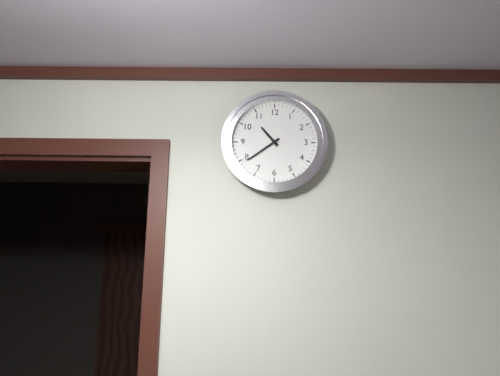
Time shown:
10.39
